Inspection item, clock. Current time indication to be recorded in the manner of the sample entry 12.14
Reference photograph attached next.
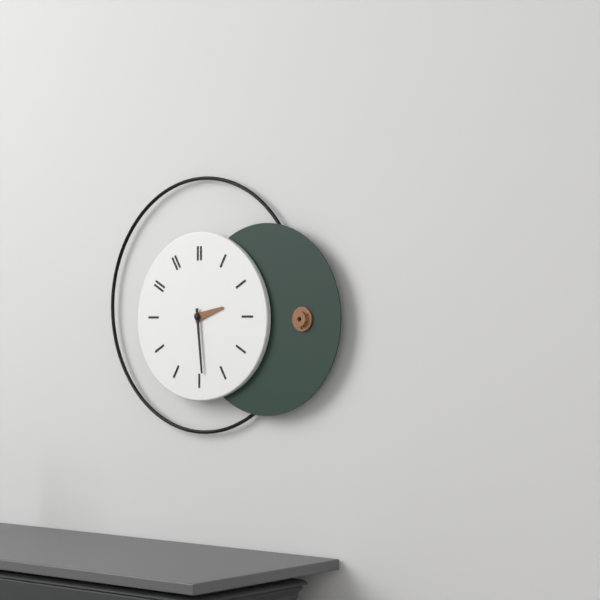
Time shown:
2.29
